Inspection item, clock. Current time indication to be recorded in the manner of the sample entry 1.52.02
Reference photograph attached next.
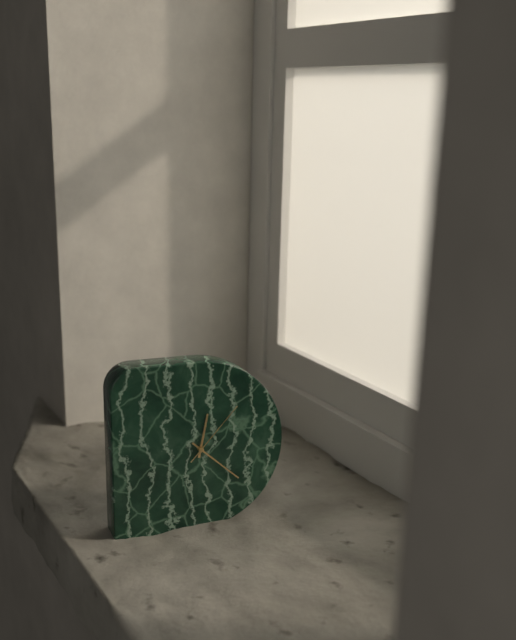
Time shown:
12.22.07
